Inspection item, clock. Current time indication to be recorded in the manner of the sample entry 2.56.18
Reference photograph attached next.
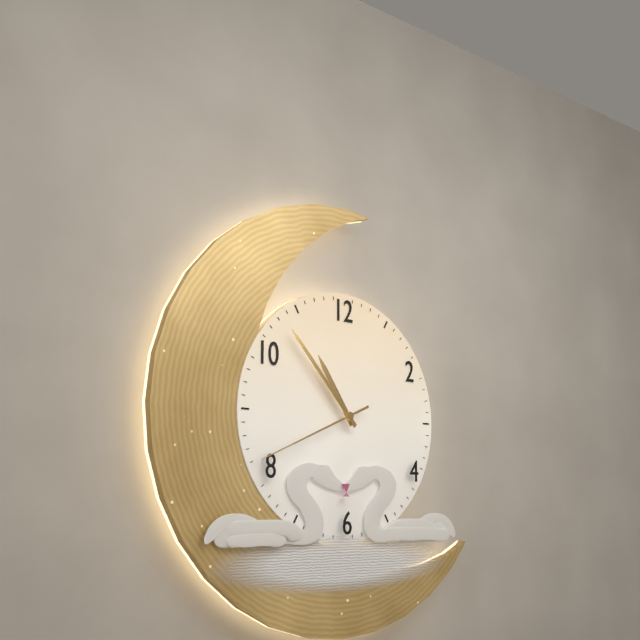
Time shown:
10.53.41
